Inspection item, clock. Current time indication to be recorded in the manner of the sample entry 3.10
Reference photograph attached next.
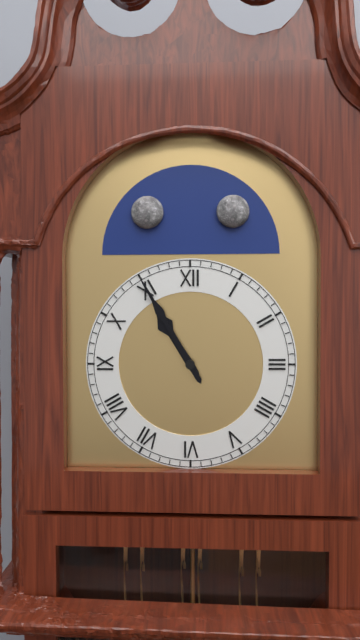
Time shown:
10.55
